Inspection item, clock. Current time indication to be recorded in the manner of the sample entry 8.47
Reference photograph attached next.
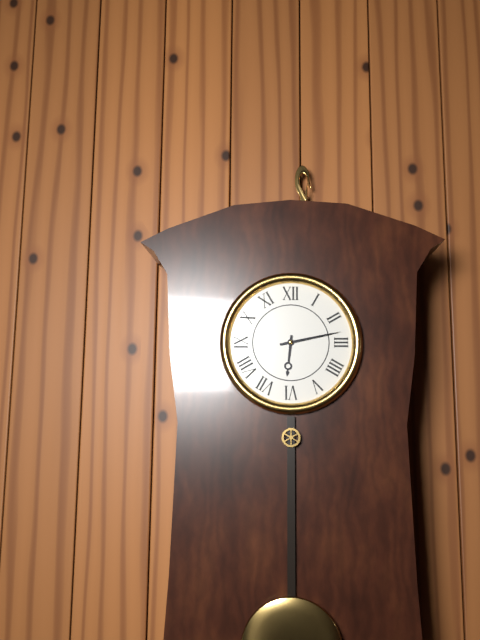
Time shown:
6.13
